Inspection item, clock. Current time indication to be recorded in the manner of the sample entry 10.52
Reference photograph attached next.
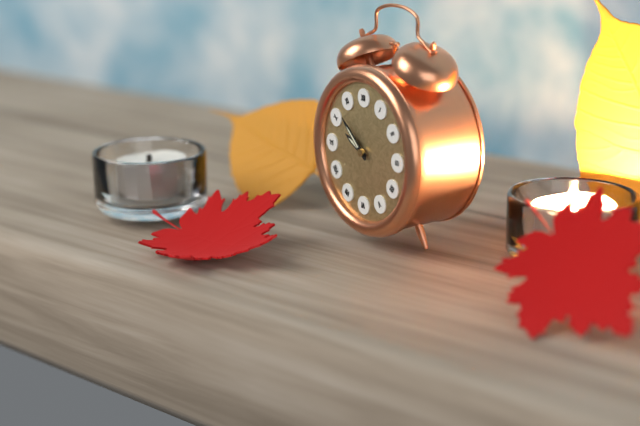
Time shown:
9.52
